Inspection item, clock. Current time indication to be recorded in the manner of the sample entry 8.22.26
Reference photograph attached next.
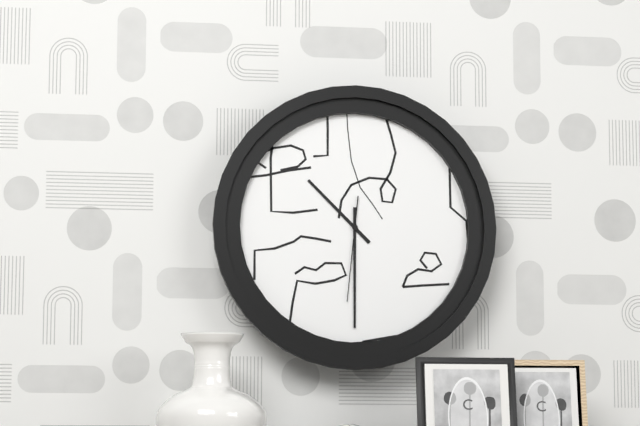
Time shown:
10.30.31
